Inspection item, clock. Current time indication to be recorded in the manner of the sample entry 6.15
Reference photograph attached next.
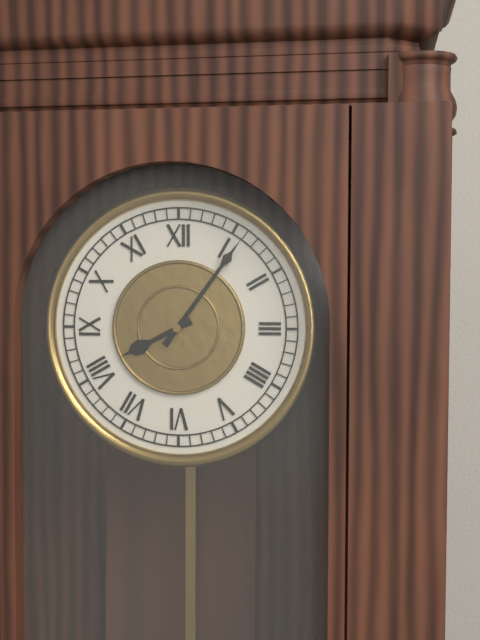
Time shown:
8.06
